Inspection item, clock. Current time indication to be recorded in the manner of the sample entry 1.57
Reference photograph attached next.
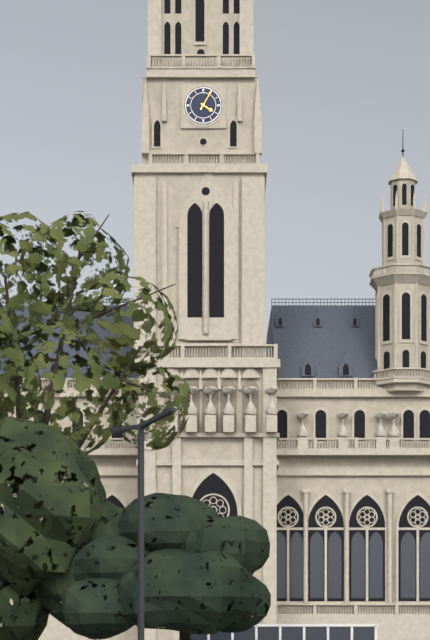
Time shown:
4.05
